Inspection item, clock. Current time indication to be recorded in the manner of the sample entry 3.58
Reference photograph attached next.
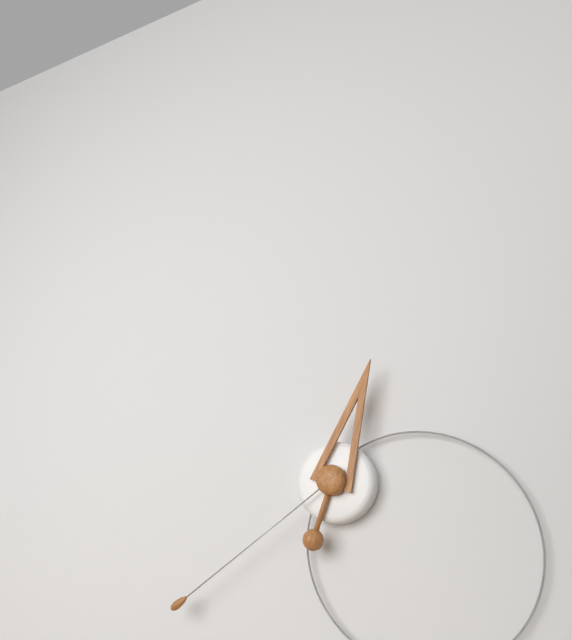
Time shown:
12.39
